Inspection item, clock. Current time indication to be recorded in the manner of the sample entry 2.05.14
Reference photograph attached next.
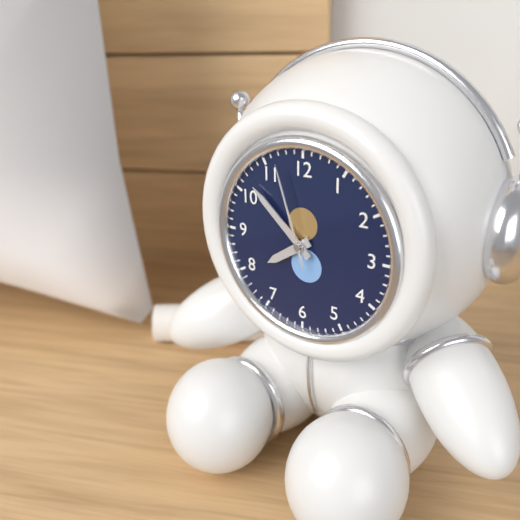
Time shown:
7.52.57
